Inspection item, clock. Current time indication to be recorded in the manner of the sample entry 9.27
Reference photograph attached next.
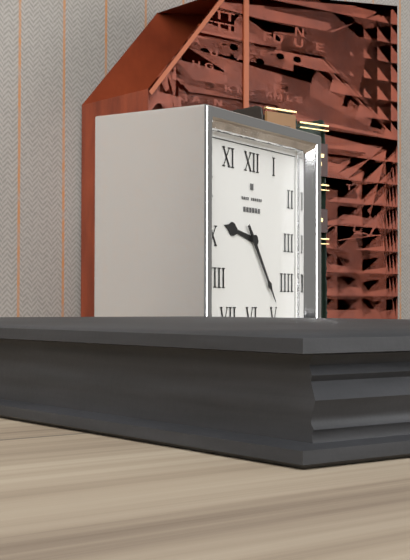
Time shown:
9.24
